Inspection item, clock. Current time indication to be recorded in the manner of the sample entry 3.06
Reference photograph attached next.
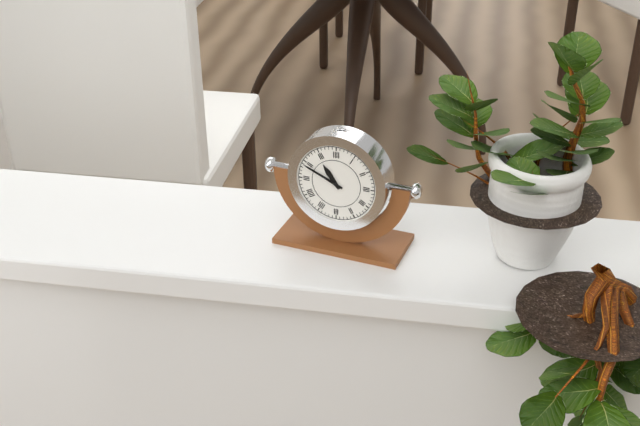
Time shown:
10.49
